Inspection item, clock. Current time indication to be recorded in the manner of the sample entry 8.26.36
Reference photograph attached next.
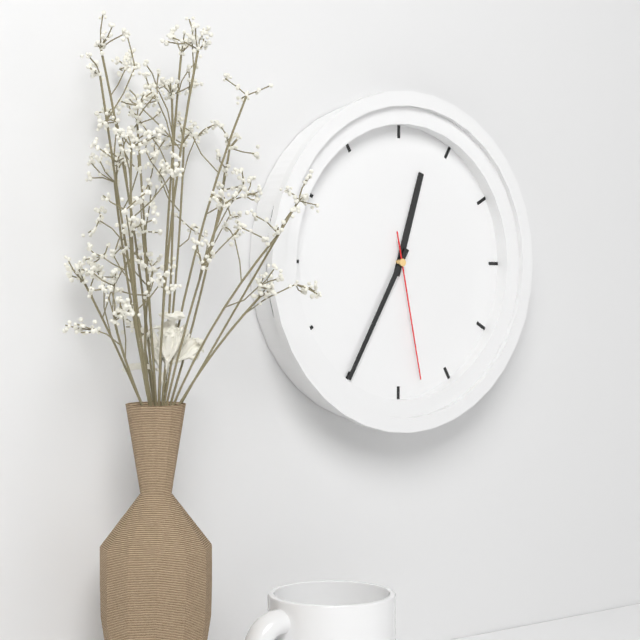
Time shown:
12.35.28
